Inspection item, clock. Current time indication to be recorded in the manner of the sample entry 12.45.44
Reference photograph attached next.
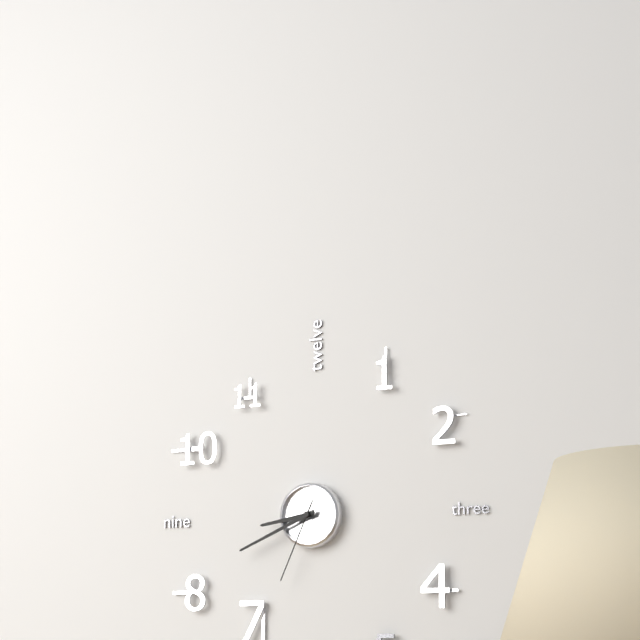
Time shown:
8.41.34
